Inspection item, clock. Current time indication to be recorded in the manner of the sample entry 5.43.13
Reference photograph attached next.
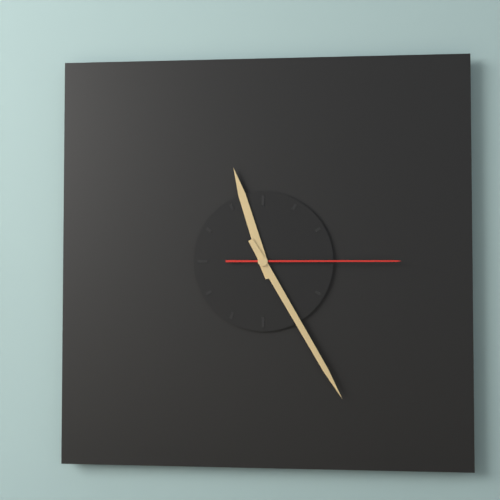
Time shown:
11.25.15
